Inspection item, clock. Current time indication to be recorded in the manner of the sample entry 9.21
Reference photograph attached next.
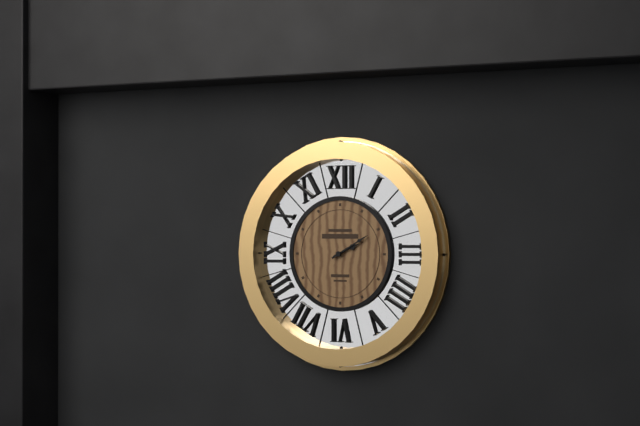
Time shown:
2.10
